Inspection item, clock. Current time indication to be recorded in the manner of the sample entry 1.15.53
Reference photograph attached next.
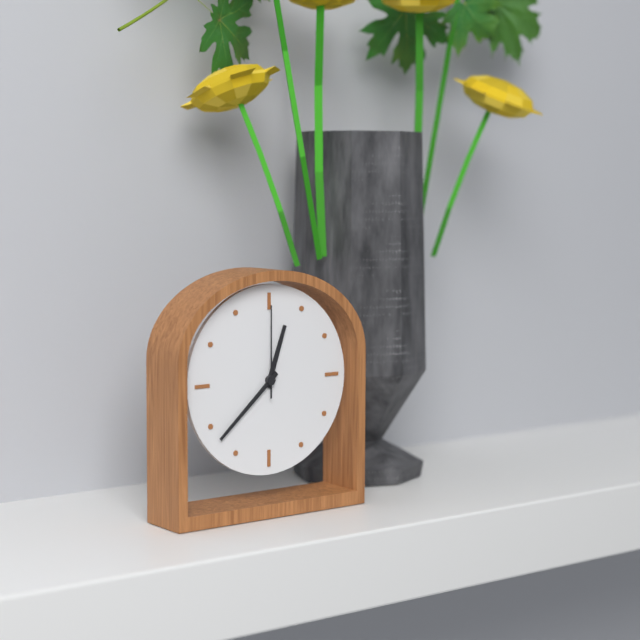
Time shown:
12.38.00
